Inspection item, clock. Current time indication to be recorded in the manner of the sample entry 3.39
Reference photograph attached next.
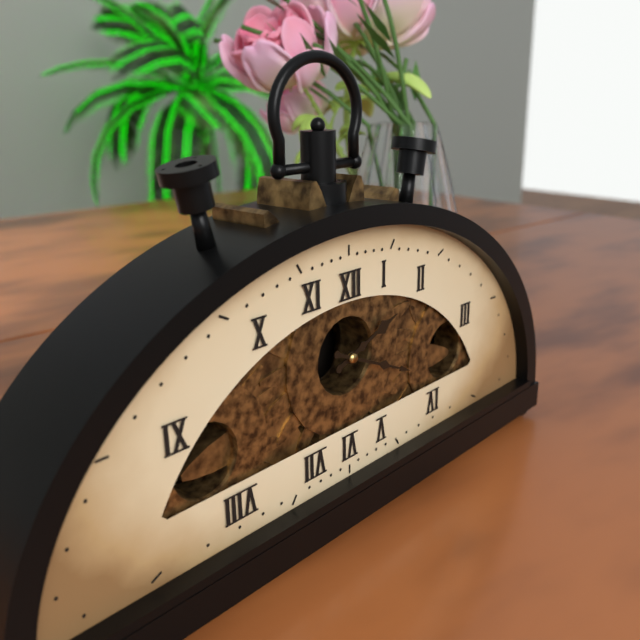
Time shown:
2.19
